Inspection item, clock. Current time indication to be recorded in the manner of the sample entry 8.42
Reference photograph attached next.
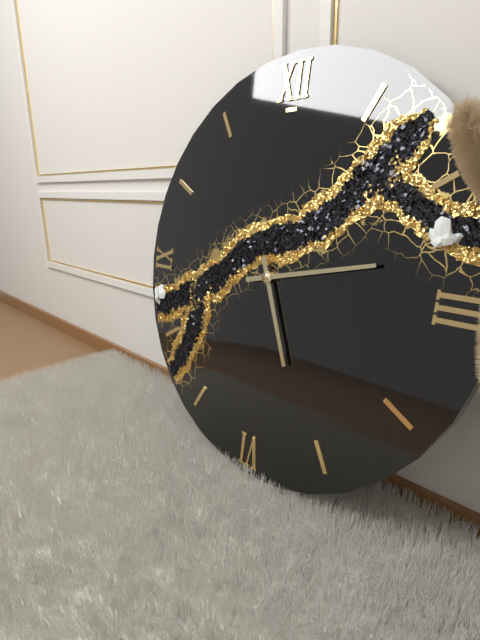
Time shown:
5.13
